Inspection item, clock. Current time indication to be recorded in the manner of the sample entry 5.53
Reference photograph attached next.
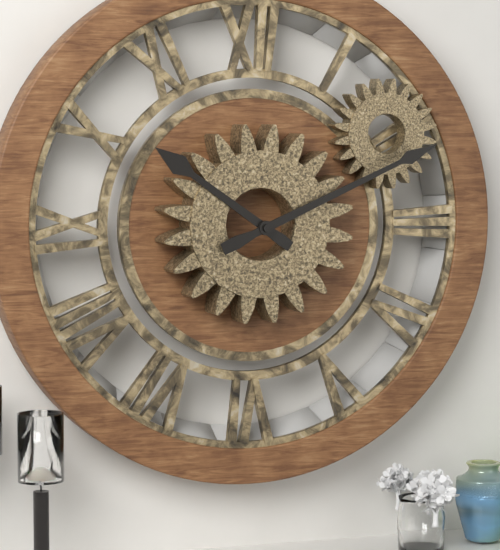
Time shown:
10.11
